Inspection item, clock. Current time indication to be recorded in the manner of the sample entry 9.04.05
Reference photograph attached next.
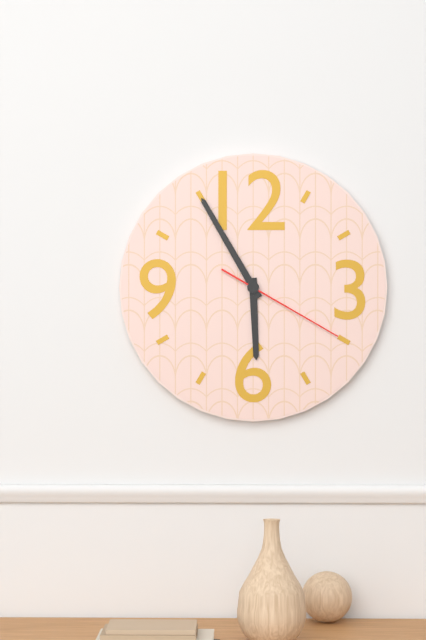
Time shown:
5.55.20
